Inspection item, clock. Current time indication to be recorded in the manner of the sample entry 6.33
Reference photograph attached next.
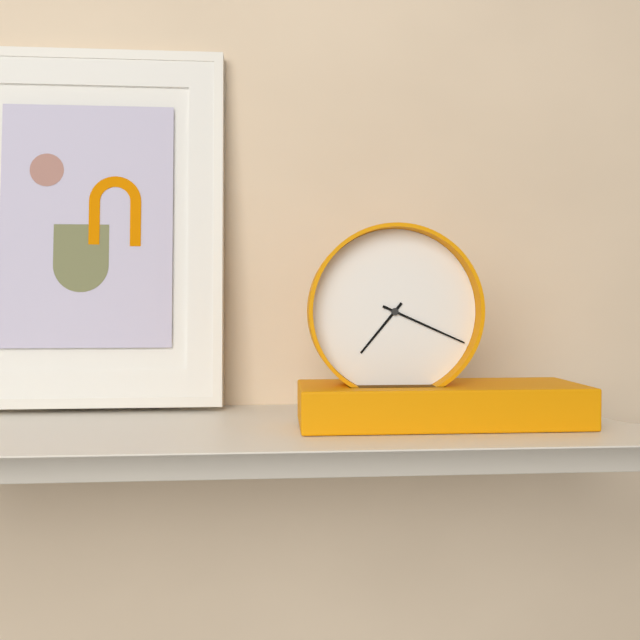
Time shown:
7.19
